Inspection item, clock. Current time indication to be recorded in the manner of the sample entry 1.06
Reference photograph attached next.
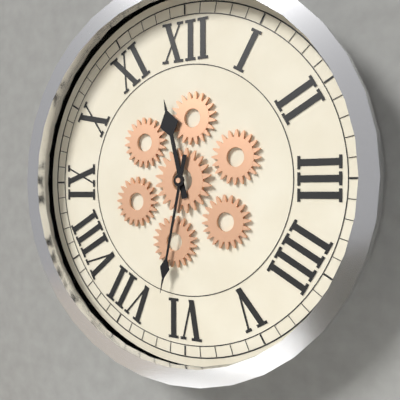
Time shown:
11.32
